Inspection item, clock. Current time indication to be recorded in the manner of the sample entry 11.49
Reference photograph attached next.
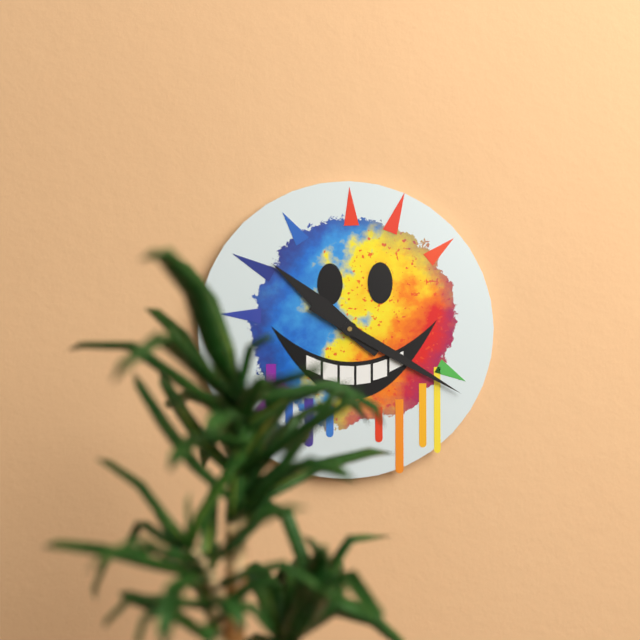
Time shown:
10.20
